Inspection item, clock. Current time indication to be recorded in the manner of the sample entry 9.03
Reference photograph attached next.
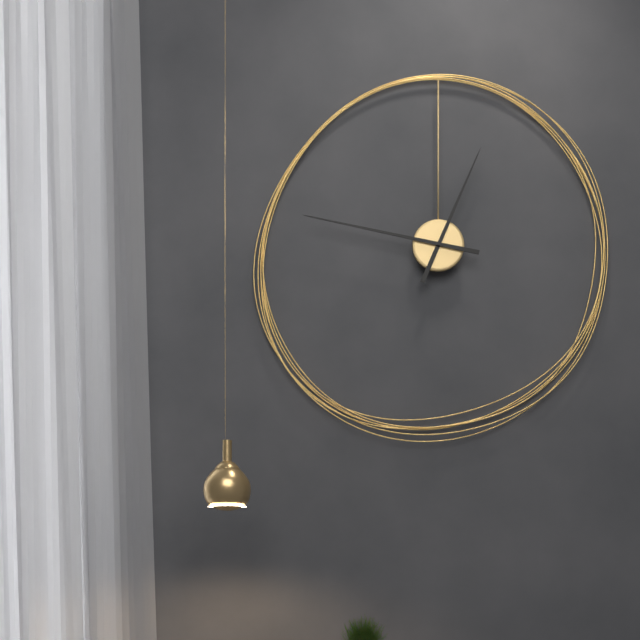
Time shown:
12.47
